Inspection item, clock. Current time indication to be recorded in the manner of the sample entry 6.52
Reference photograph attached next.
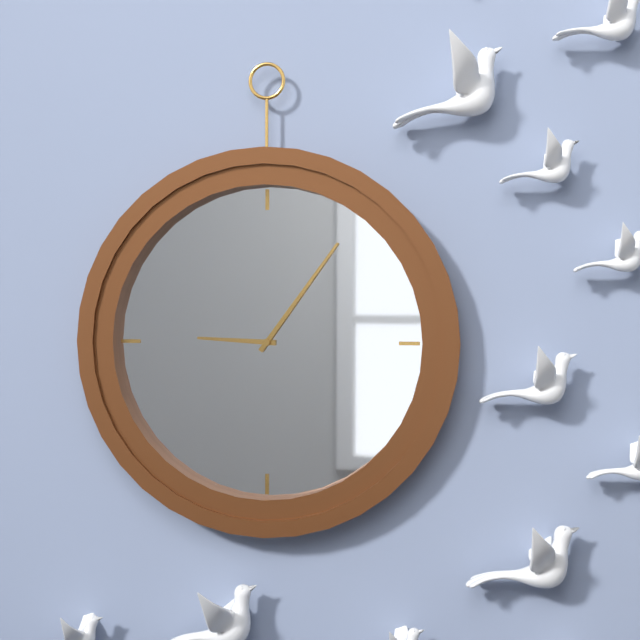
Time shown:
9.06
